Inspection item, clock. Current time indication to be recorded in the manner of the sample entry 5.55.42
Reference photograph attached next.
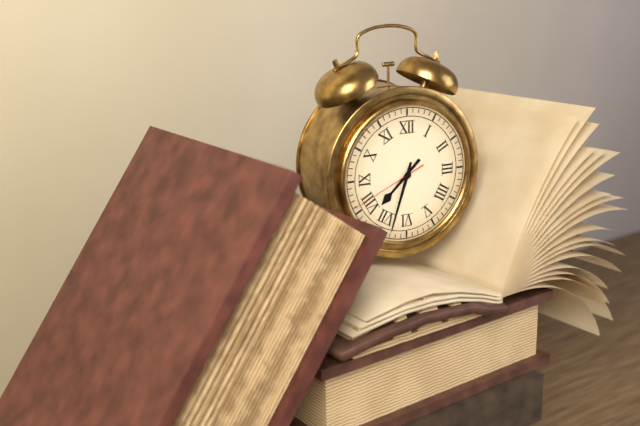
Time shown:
7.33.41
